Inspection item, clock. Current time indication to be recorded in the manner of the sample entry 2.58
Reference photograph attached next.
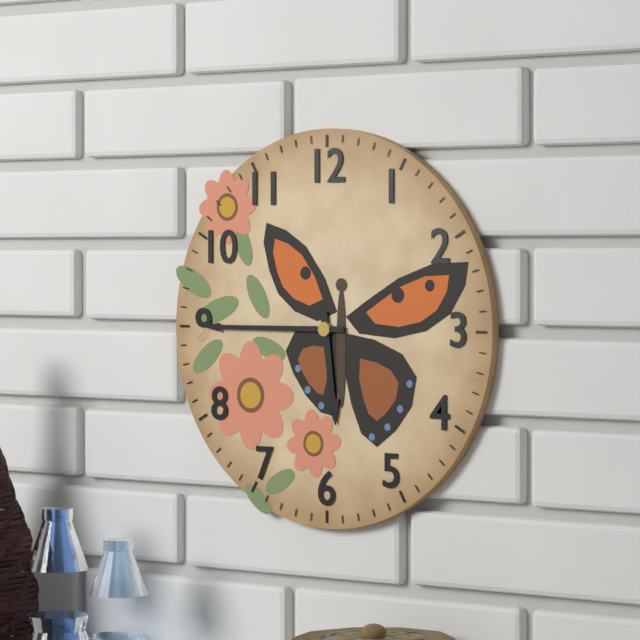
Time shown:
5.45
